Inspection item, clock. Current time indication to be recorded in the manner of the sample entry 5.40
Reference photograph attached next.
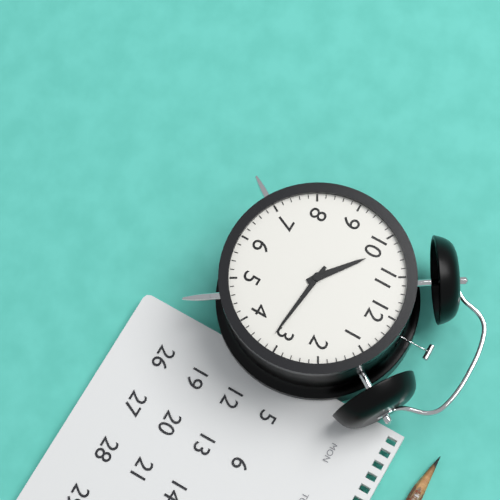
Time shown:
10.16
